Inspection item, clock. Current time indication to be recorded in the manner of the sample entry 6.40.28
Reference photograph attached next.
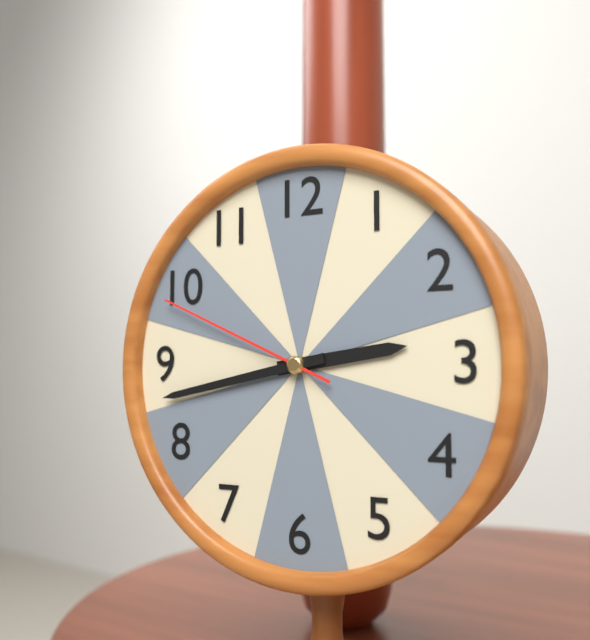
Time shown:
2.43.49
